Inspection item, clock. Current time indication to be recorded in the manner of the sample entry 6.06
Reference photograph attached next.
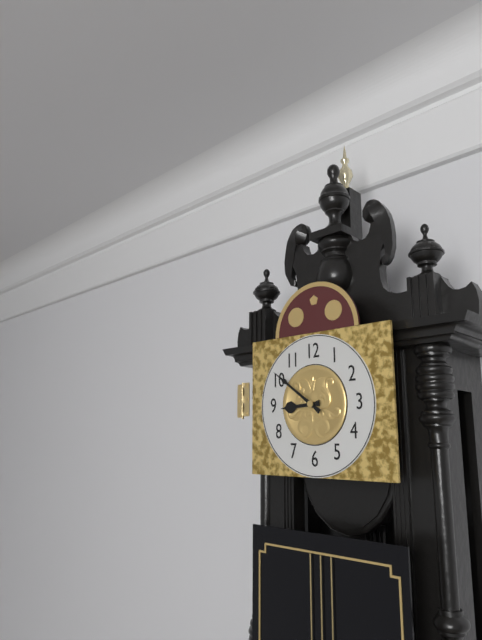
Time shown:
8.51
